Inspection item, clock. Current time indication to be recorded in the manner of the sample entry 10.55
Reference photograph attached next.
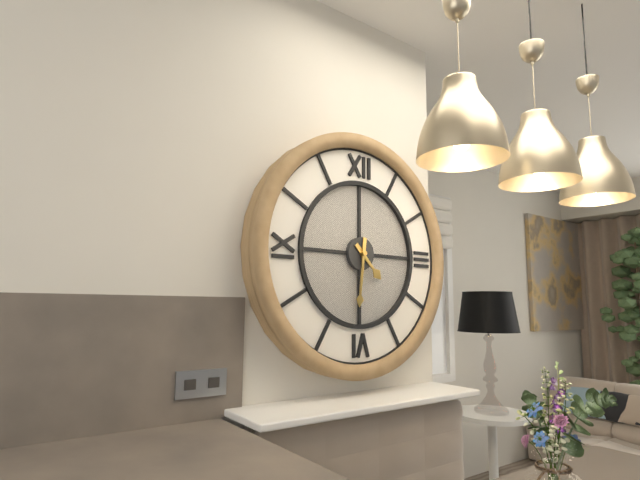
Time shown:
4.31
